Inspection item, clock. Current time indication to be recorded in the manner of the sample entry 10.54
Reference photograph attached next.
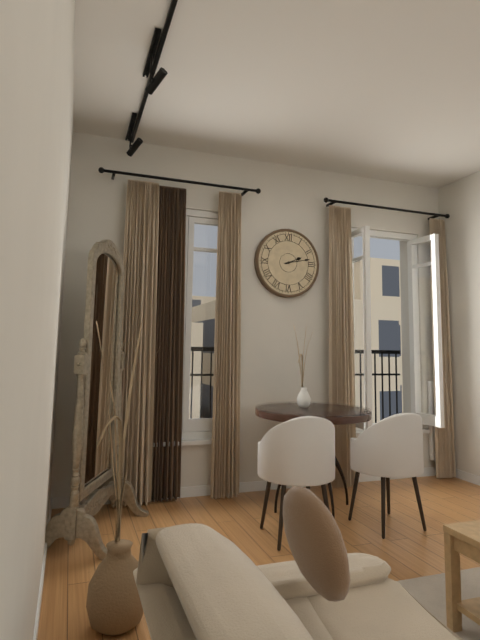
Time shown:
2.13
